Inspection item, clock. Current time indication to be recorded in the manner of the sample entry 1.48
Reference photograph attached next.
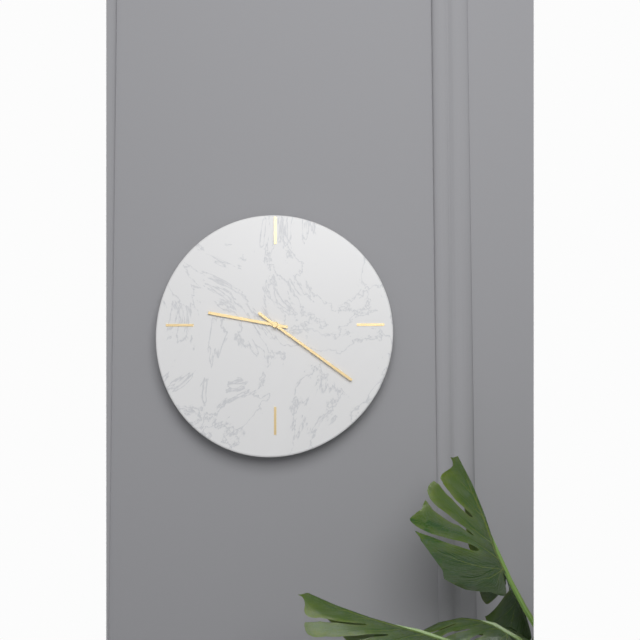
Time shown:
9.21
